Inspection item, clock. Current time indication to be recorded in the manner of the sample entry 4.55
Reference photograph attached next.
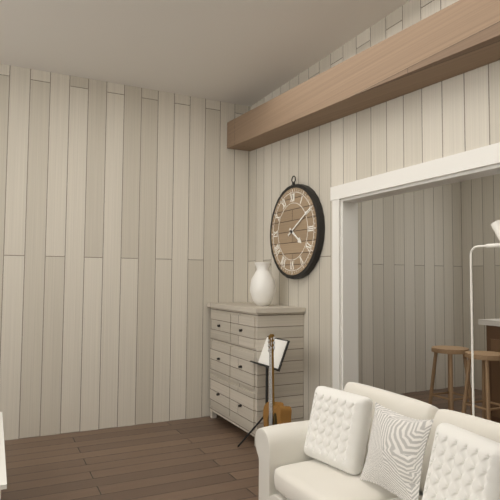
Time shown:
4.10
